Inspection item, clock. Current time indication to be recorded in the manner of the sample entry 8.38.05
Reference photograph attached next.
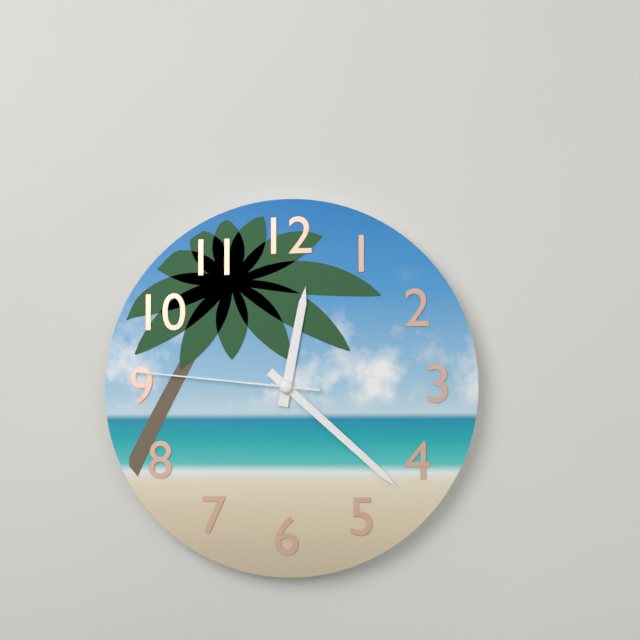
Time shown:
12.22.46
